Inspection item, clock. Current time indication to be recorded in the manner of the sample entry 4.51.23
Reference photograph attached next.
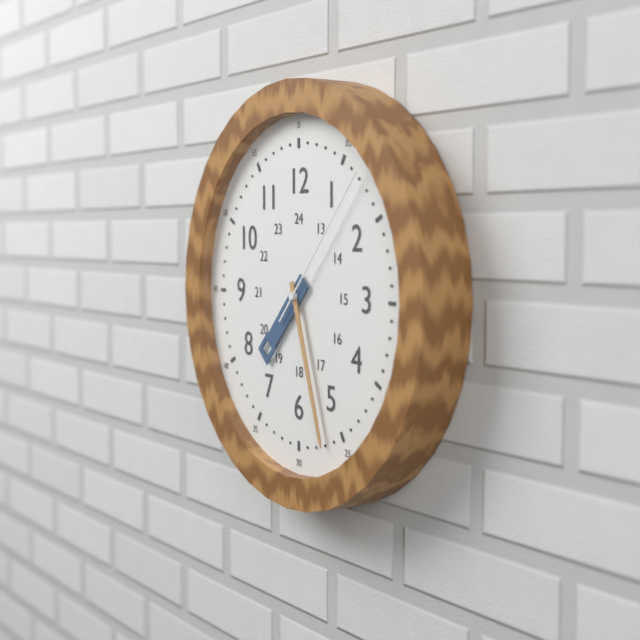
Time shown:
7.27.07
